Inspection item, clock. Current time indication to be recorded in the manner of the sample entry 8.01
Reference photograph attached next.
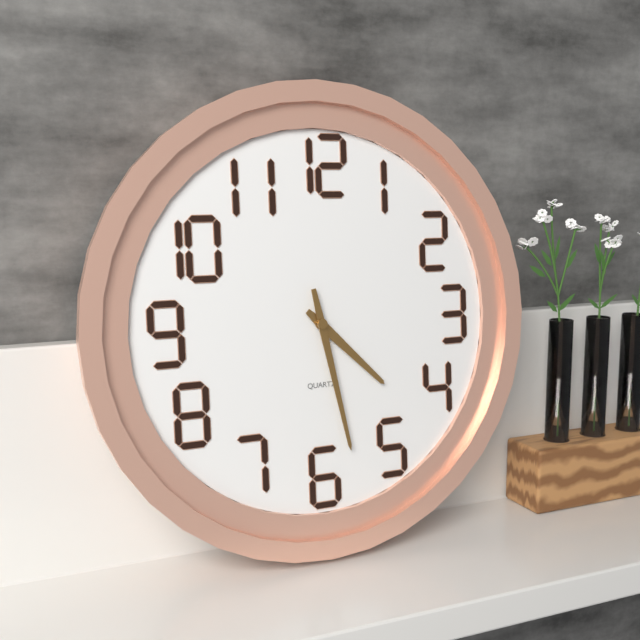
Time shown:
4.28
